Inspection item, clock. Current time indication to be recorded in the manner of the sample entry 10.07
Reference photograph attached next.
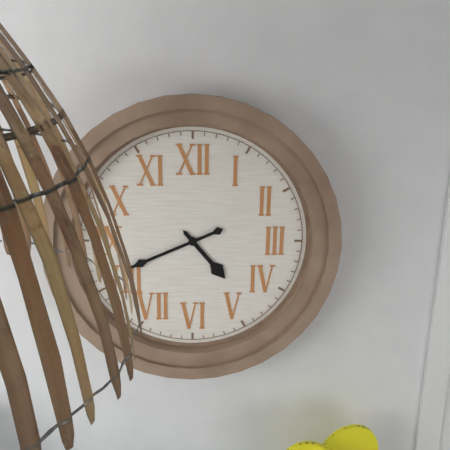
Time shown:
4.41
